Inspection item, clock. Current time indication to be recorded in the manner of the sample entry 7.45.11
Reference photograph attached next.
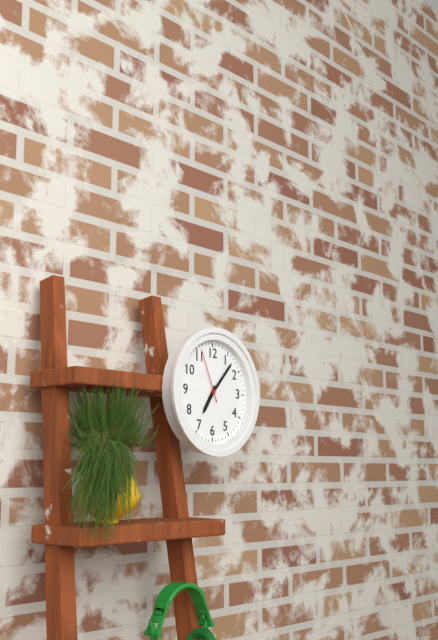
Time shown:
7.07.56
